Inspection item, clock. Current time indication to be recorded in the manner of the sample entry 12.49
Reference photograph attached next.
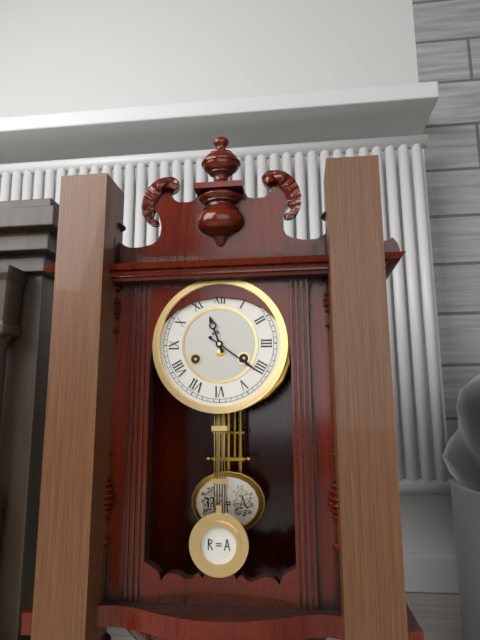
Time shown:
11.21
